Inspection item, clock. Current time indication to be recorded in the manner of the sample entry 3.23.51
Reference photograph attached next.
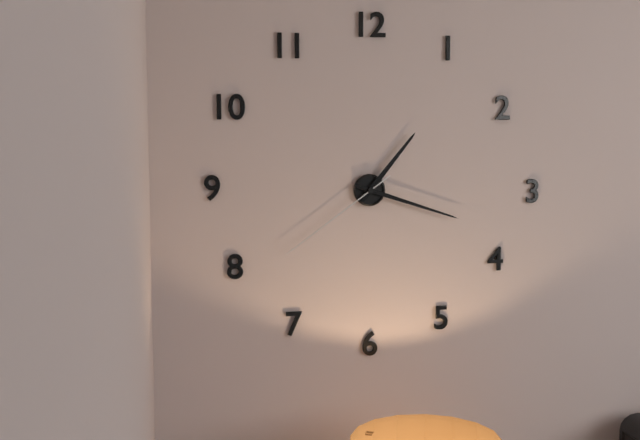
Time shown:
1.18.39
